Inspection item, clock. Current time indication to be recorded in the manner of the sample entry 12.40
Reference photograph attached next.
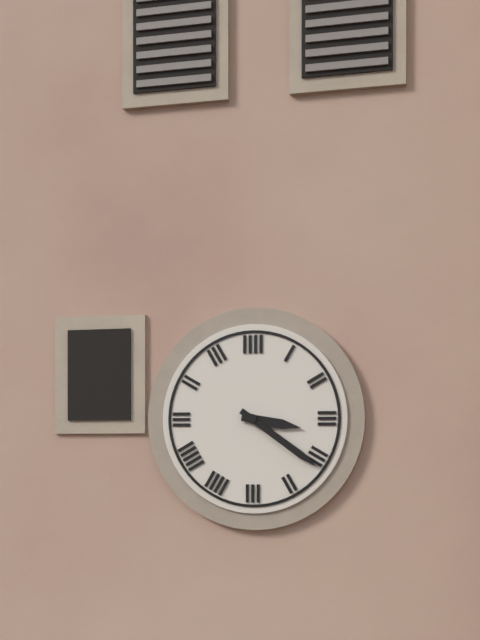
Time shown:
3.21
